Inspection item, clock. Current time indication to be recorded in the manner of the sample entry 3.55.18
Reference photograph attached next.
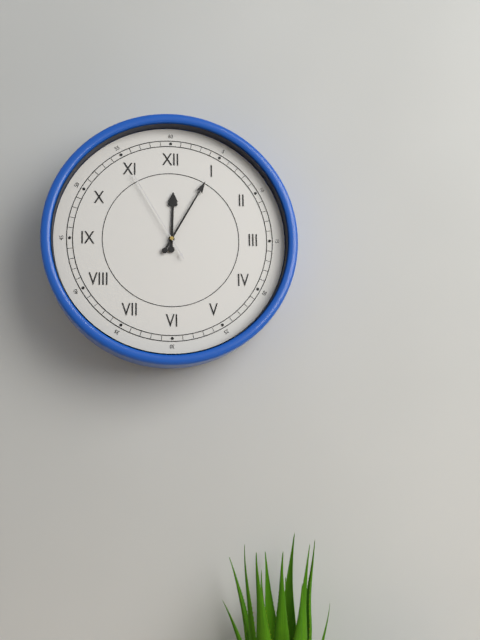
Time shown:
12.05.55
